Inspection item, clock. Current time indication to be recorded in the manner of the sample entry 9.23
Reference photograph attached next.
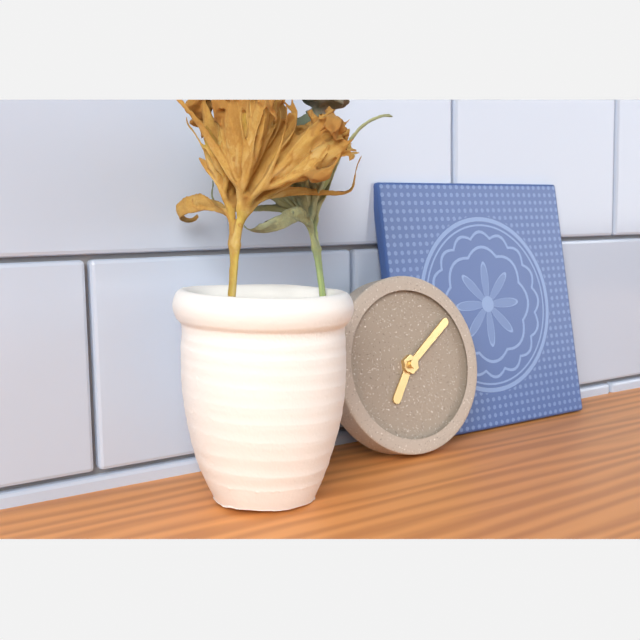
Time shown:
7.09
